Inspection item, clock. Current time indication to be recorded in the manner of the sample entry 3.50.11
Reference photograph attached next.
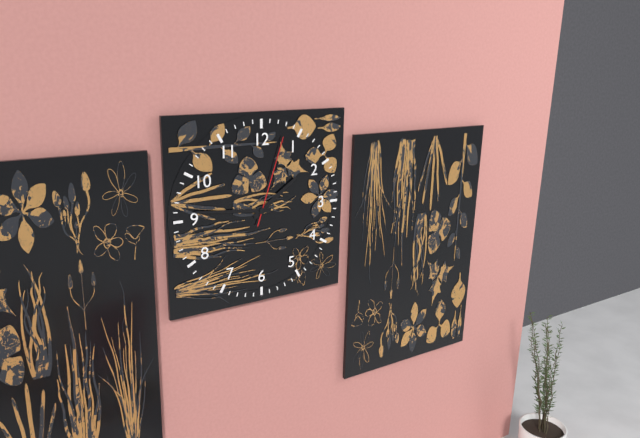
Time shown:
1.46.03
